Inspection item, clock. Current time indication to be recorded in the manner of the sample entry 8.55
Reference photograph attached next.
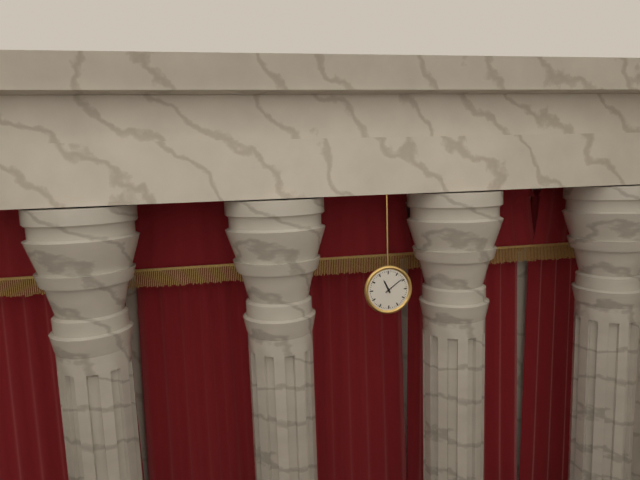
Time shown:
11.09
